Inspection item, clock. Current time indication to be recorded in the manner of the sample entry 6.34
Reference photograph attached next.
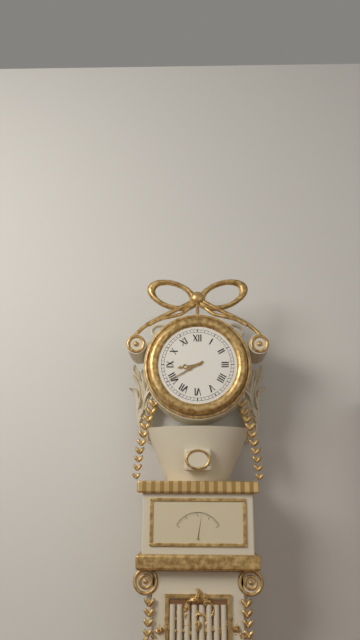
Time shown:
8.40
